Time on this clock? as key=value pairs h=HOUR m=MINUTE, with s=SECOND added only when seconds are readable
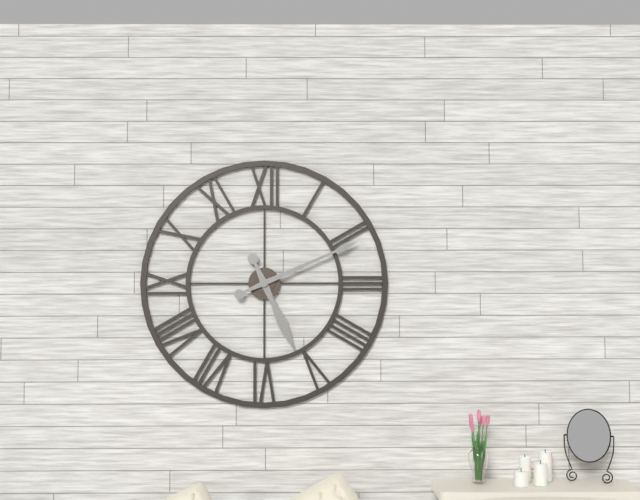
h=5 m=11
